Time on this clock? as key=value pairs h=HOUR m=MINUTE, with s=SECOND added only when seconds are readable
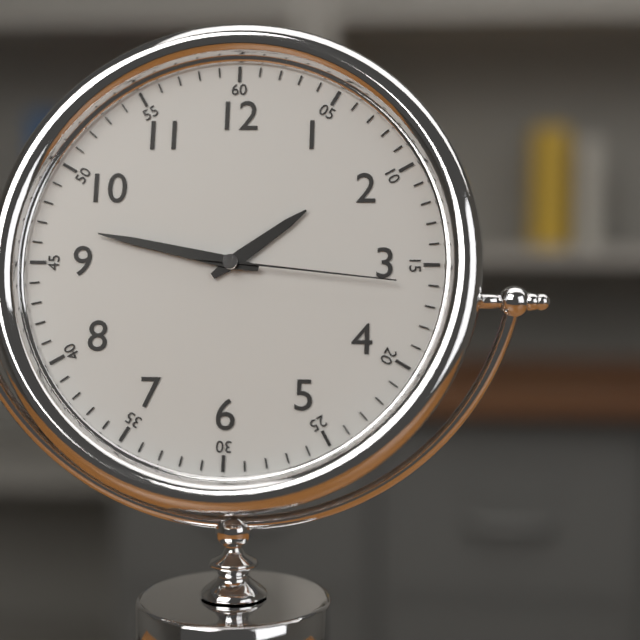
h=1 m=47 s=16
